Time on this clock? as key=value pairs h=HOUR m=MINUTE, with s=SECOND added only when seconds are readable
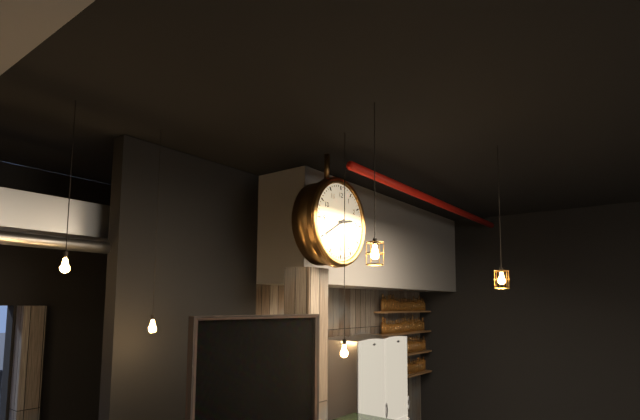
h=2 m=40
